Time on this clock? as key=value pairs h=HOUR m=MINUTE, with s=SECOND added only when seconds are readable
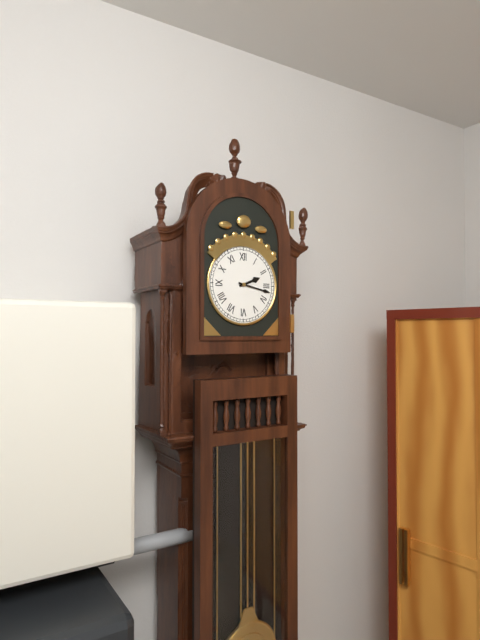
h=2 m=17
